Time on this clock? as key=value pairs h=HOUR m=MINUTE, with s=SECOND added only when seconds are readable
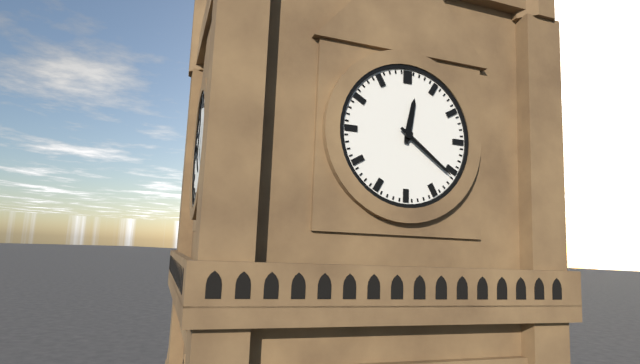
h=12 m=21
